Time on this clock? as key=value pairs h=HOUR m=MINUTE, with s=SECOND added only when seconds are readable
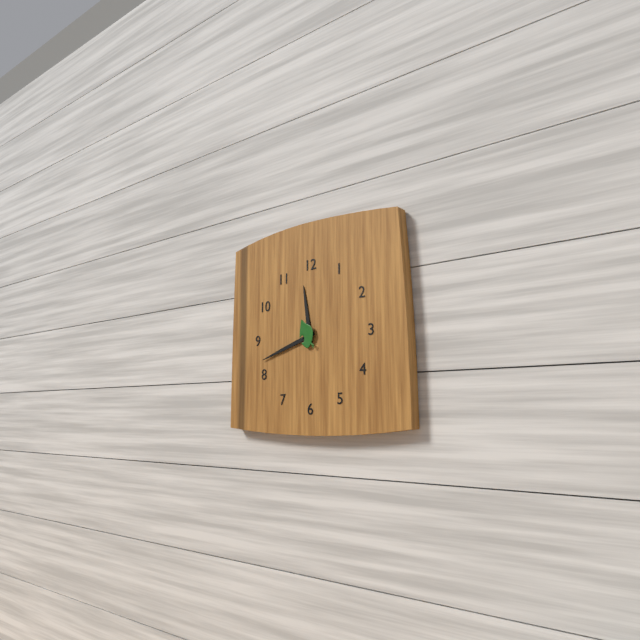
h=11 m=42
